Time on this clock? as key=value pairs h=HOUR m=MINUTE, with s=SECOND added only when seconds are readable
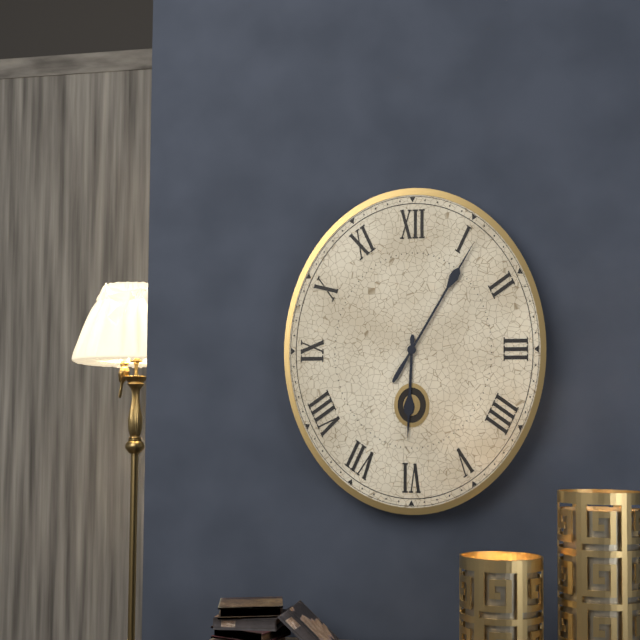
h=6 m=5
